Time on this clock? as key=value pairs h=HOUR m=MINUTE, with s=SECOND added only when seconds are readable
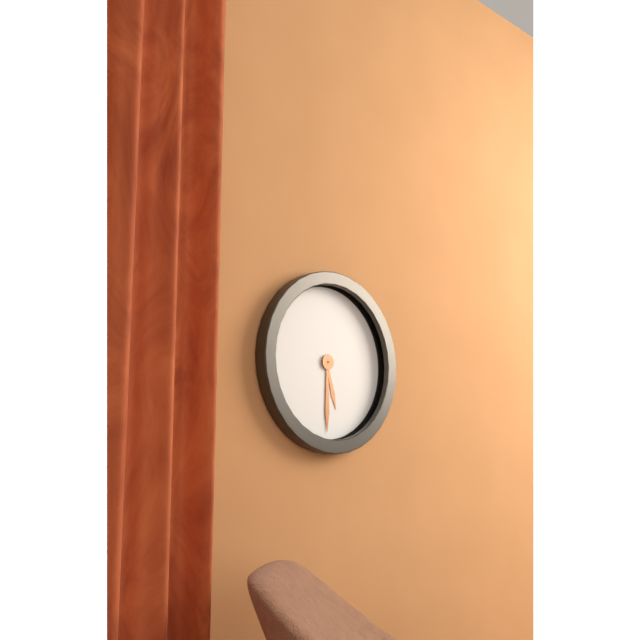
h=5 m=30
